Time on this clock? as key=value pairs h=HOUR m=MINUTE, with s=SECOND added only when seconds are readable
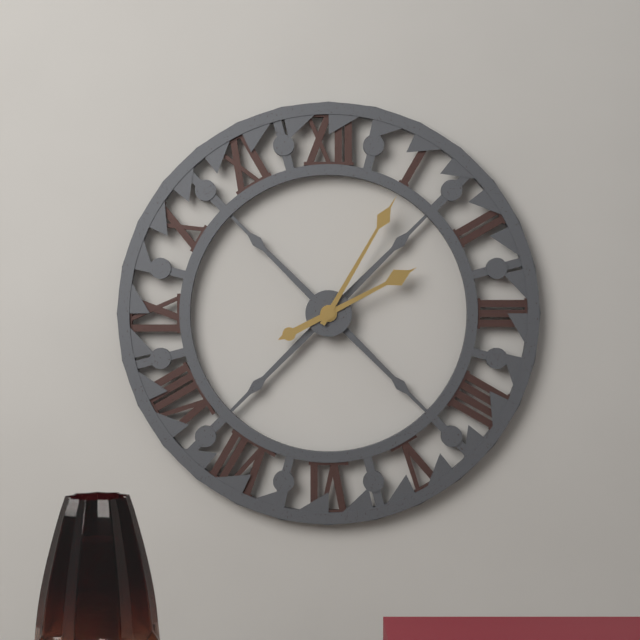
h=2 m=5
